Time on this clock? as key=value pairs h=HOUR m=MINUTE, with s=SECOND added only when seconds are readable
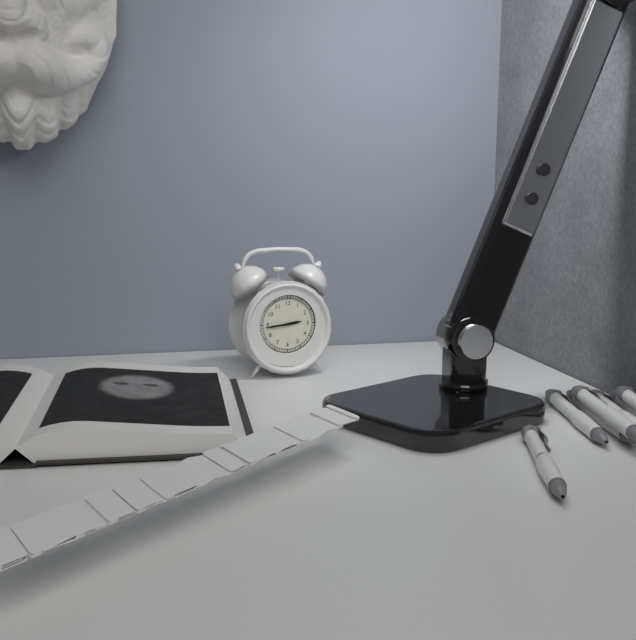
h=2 m=44
